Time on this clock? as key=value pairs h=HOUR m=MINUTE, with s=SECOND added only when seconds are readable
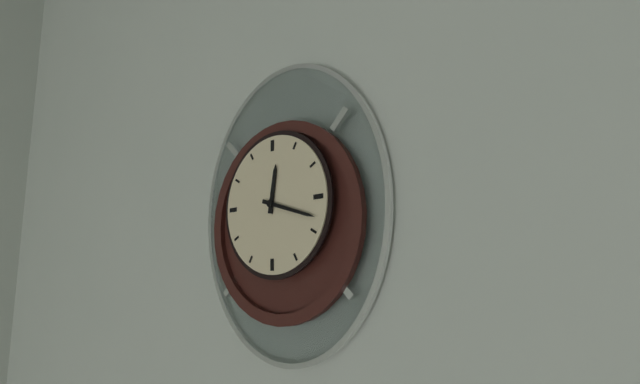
h=12 m=18
